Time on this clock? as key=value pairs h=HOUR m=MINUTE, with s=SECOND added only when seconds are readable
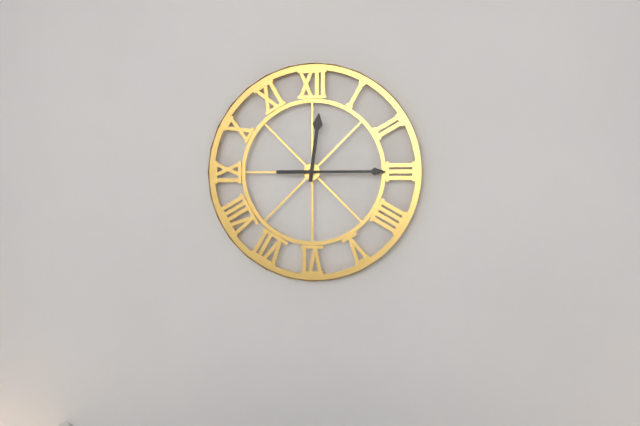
h=12 m=15
